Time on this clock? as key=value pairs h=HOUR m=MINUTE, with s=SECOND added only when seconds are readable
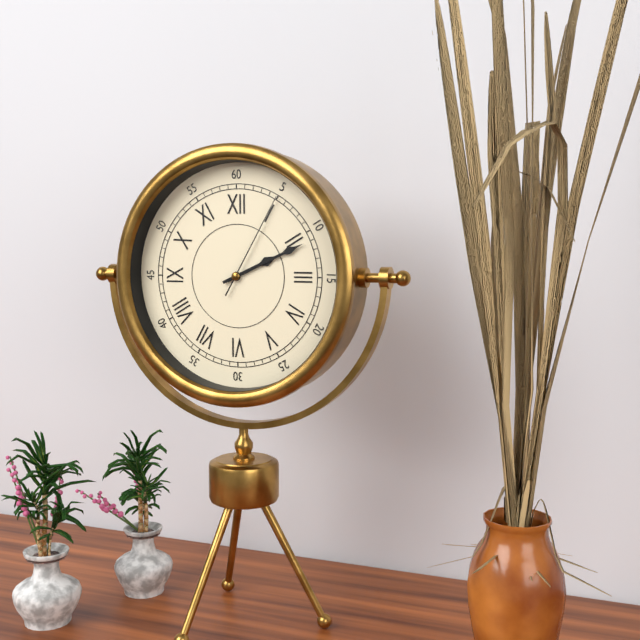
h=2 m=11 s=5
